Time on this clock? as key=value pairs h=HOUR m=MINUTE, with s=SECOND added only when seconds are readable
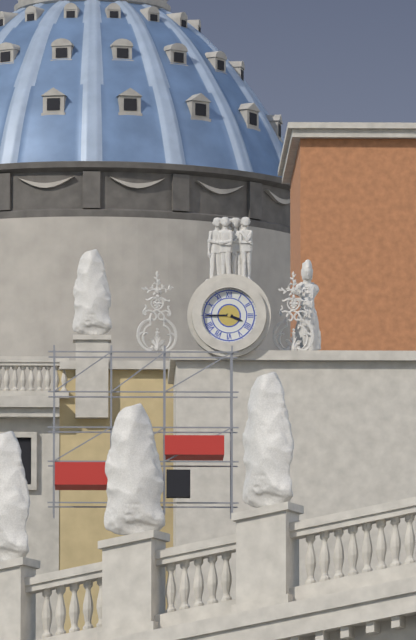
h=3 m=45
